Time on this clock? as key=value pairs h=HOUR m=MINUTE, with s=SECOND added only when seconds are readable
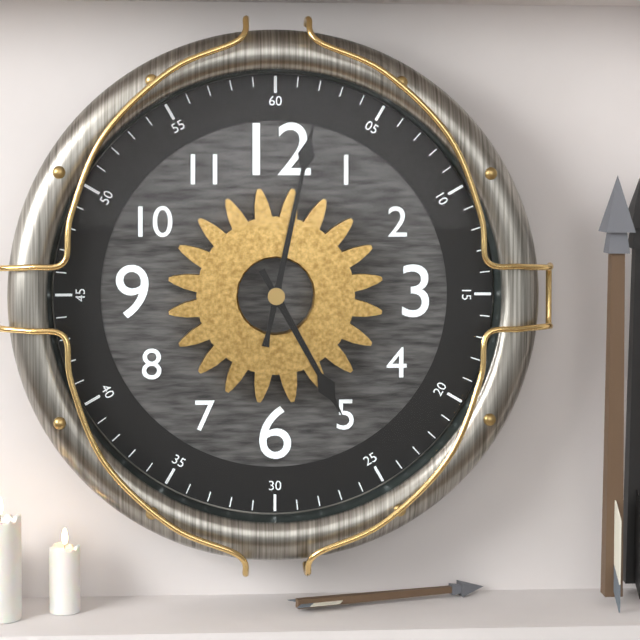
h=5 m=2
